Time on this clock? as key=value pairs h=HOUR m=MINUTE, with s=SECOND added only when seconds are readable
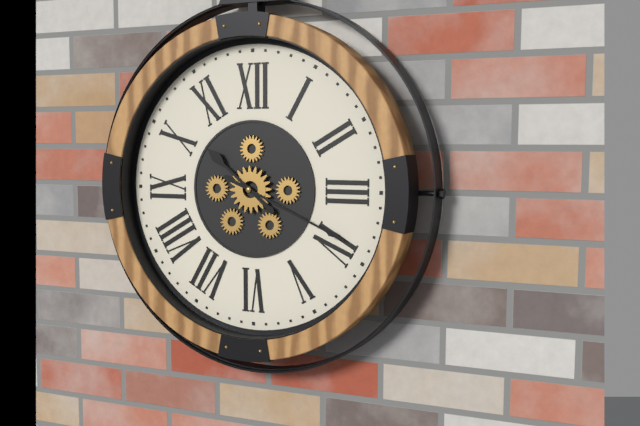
h=10 m=19
